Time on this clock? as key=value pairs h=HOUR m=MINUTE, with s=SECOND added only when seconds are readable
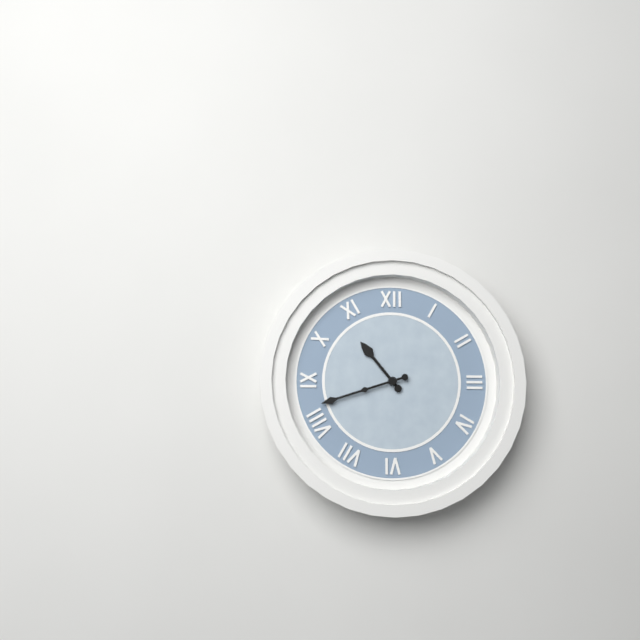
h=10 m=42
